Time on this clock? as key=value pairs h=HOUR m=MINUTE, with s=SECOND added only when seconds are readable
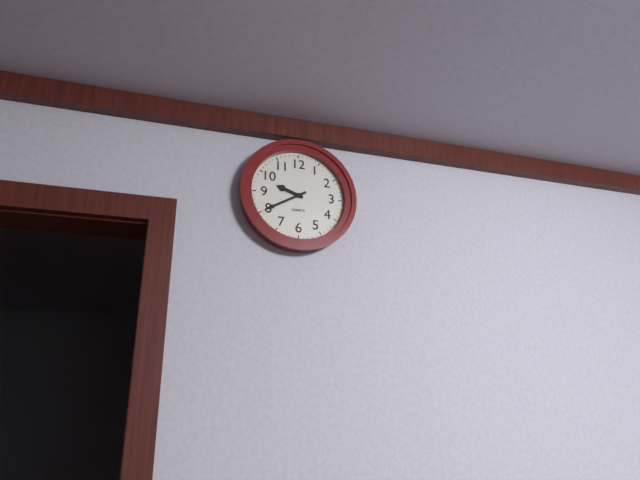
h=9 m=40
